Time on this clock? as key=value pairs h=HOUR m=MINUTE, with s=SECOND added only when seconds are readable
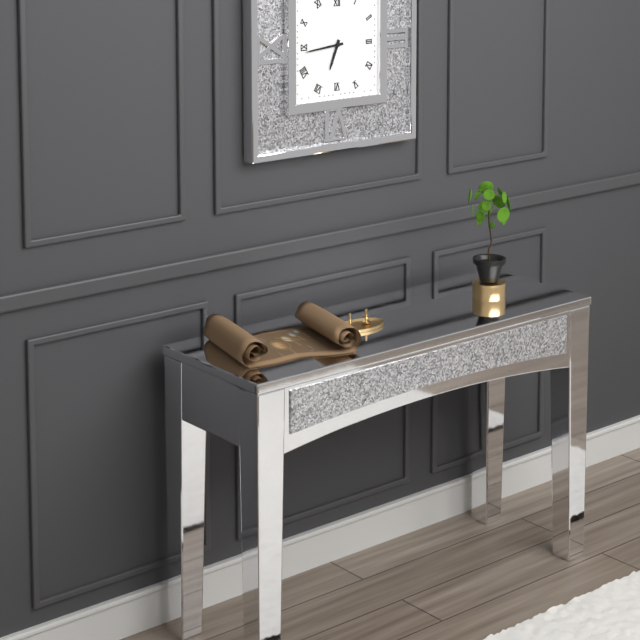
h=6 m=44
